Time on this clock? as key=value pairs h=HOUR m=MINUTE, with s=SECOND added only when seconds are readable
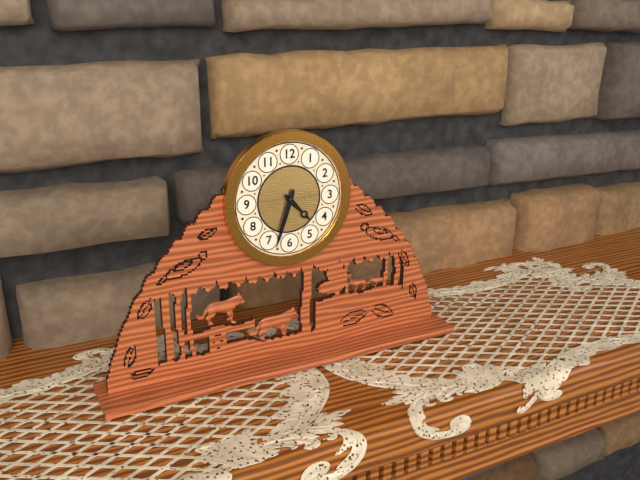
h=4 m=33
